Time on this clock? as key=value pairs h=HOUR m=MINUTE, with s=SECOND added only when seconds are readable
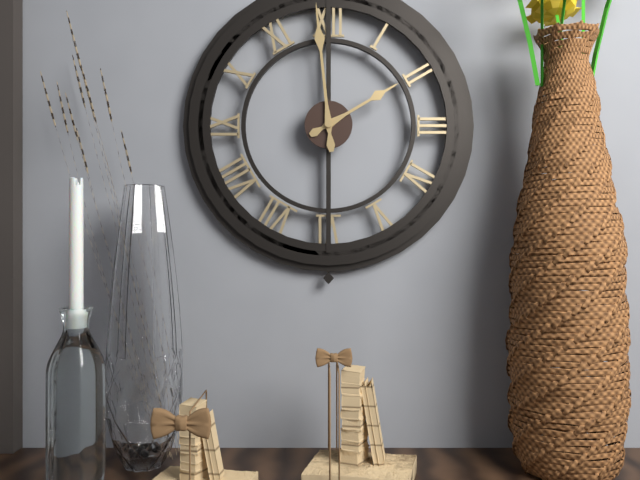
h=1 m=59
